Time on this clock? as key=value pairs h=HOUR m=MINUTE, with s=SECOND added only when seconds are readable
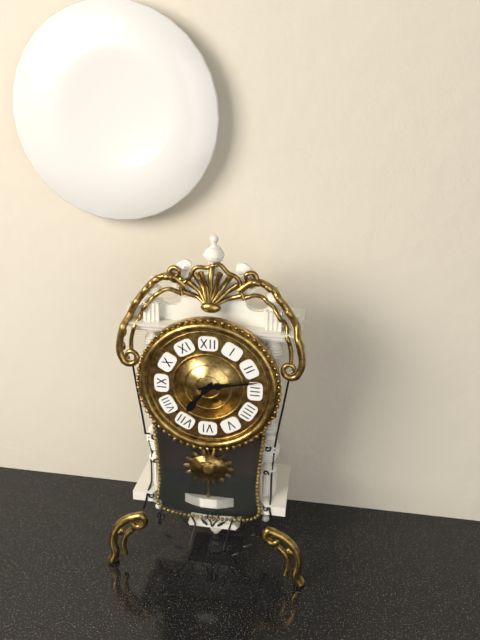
h=7 m=13
